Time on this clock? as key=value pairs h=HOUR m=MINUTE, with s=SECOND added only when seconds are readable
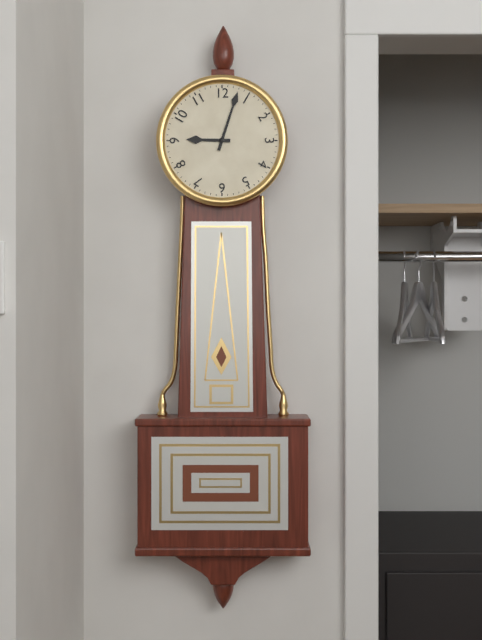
h=9 m=3
